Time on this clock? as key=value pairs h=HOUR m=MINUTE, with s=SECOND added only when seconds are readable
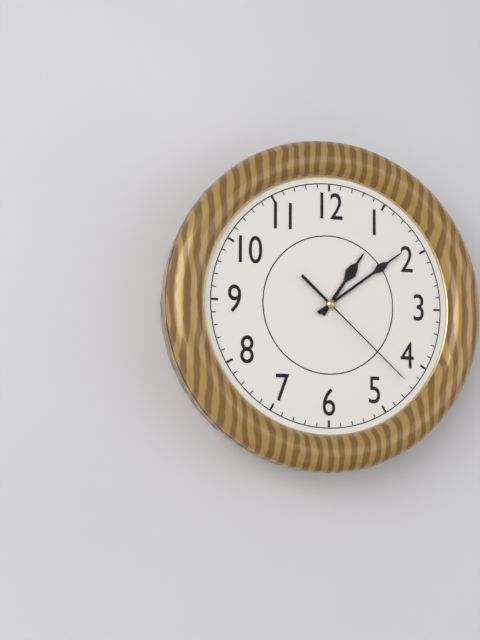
h=1 m=9 s=22
